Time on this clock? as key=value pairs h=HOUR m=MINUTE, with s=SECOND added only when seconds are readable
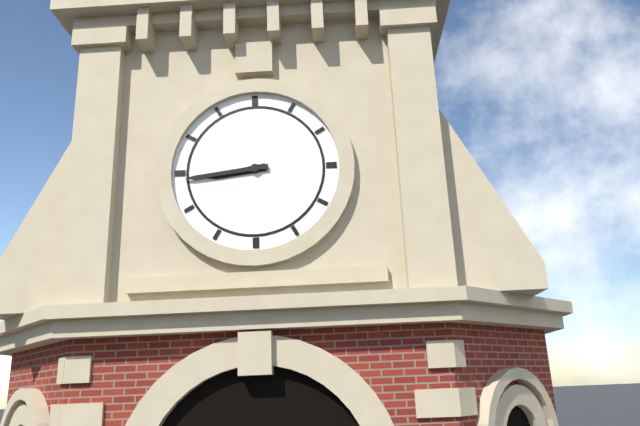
h=8 m=44
